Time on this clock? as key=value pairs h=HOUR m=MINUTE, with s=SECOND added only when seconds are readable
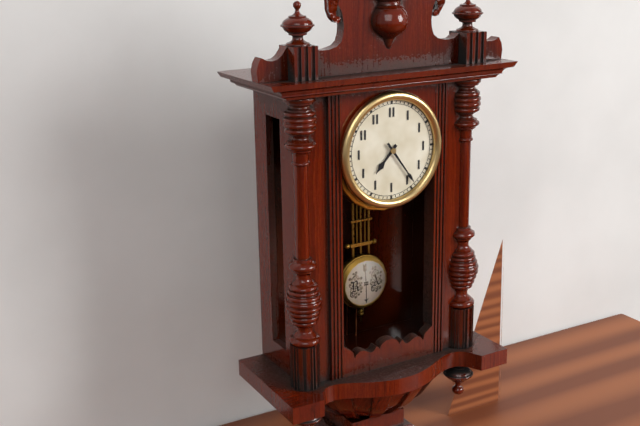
h=7 m=24
